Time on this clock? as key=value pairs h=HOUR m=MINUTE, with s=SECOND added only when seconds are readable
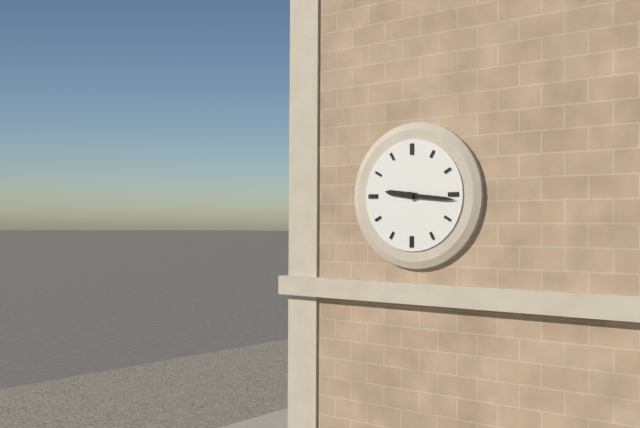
h=9 m=16
